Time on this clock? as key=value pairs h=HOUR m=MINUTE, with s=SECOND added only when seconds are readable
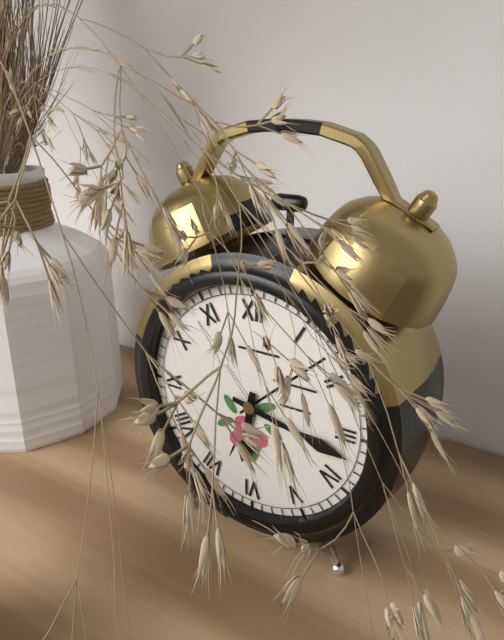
h=6 m=17
